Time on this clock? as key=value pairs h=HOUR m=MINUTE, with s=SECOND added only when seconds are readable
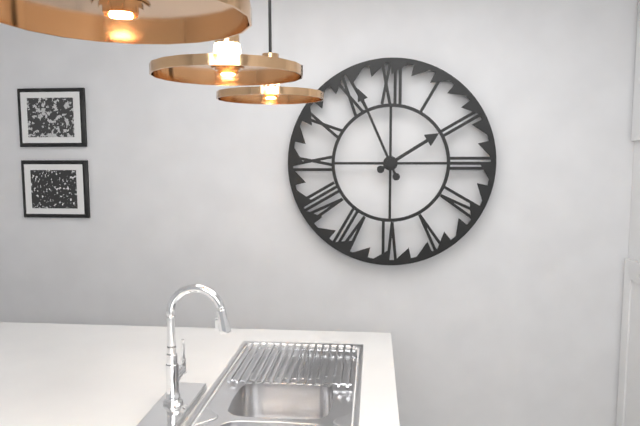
h=1 m=56
